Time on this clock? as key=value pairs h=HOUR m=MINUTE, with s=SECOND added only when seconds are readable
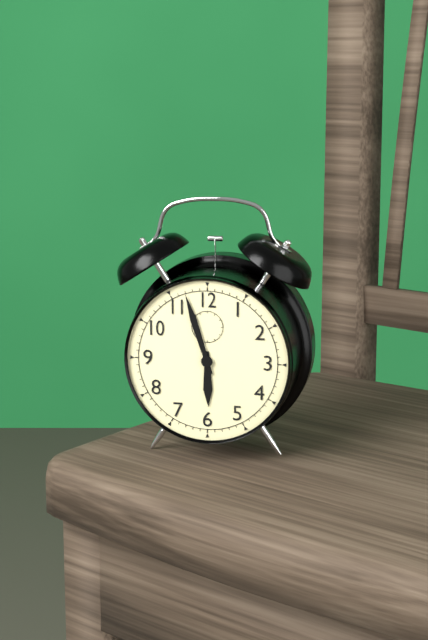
h=5 m=57
